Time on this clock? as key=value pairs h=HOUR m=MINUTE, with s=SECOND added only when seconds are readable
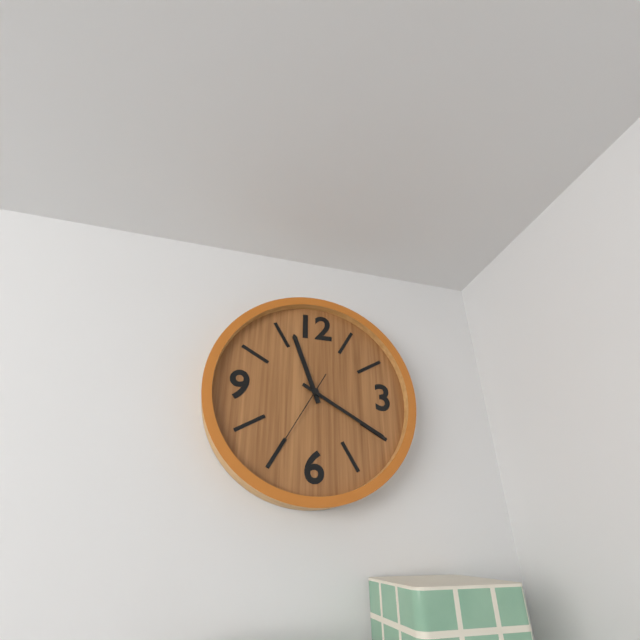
h=11 m=20 s=35
